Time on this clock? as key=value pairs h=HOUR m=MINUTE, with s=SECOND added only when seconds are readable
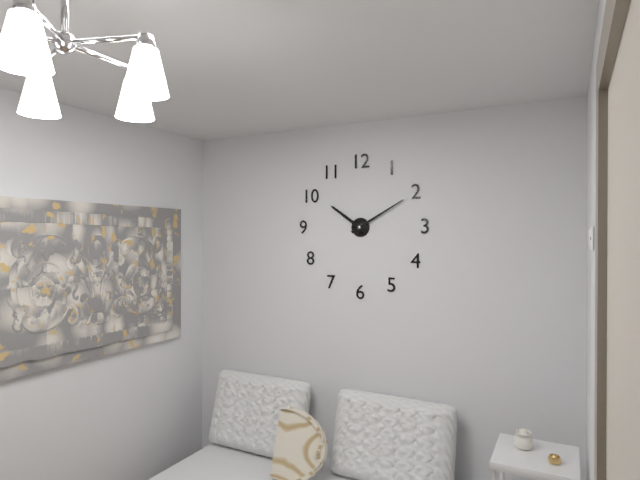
h=10 m=10
